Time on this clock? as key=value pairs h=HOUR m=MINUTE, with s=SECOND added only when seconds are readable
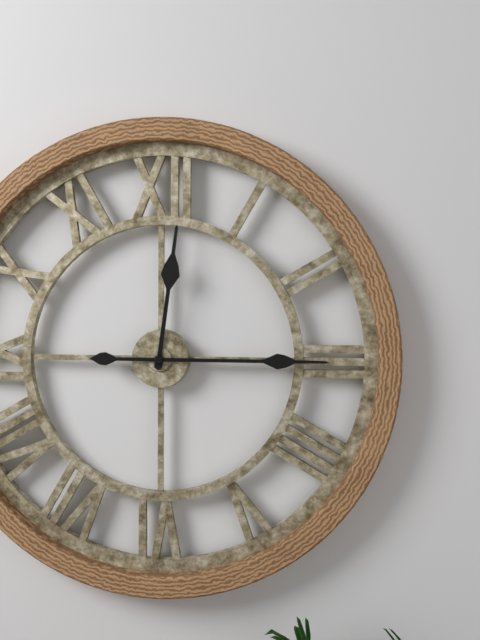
h=12 m=15
